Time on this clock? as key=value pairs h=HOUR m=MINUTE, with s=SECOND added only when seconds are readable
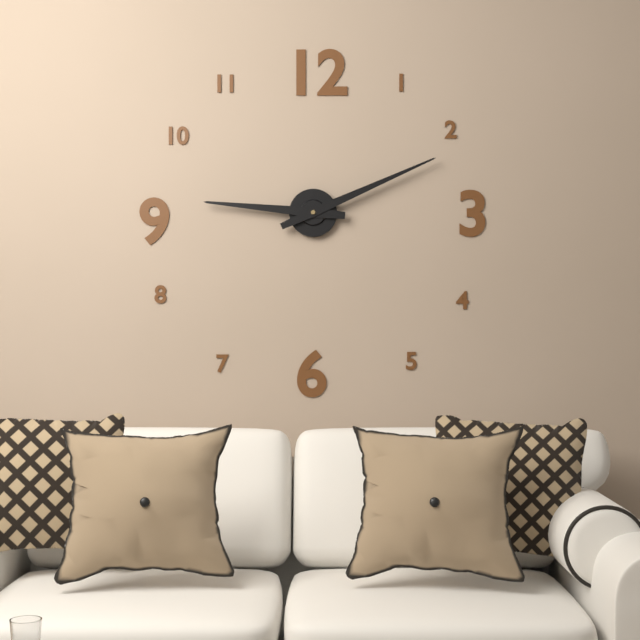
h=9 m=11
